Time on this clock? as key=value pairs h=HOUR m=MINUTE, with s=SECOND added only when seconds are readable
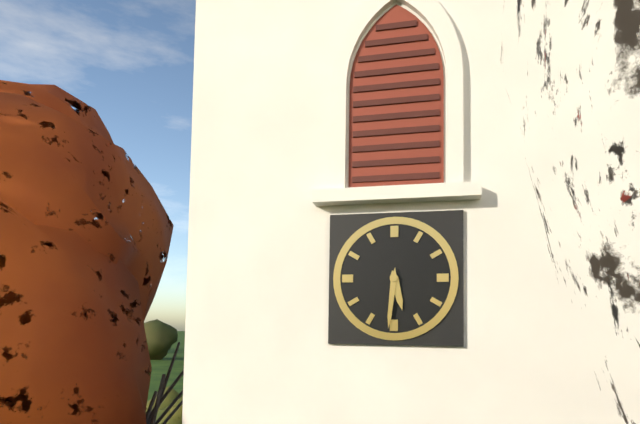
h=5 m=31
